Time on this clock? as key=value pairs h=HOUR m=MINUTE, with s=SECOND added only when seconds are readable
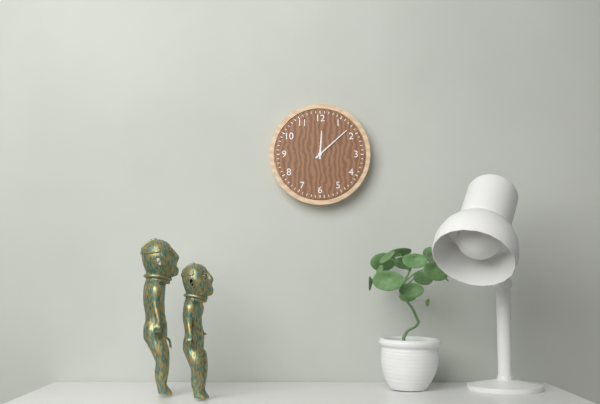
h=12 m=8
